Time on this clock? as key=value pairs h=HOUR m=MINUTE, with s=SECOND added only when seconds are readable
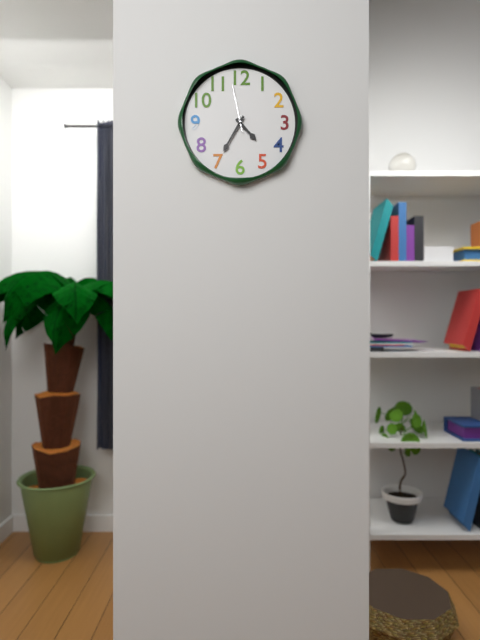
h=4 m=35
